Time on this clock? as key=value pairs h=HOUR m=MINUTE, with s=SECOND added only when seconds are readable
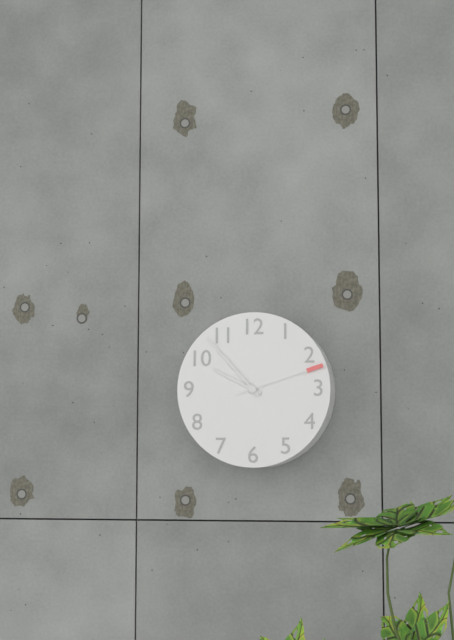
h=9 m=53 s=12
